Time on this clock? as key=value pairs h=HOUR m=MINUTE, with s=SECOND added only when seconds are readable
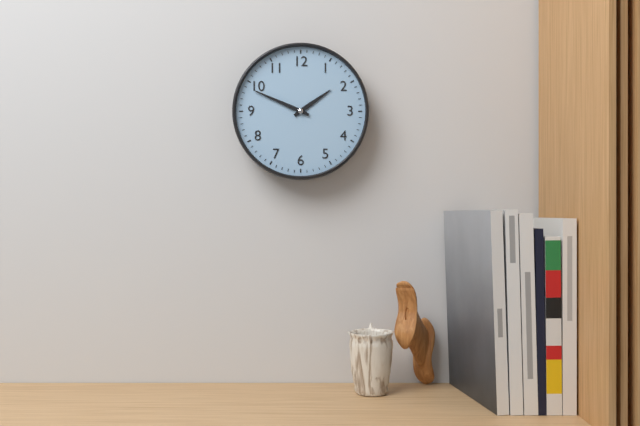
h=1 m=49
